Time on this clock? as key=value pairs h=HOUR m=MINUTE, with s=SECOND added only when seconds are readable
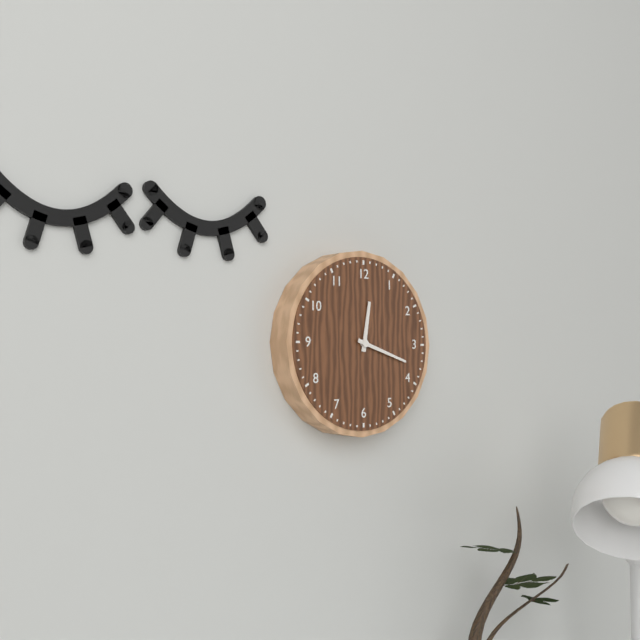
h=12 m=18
